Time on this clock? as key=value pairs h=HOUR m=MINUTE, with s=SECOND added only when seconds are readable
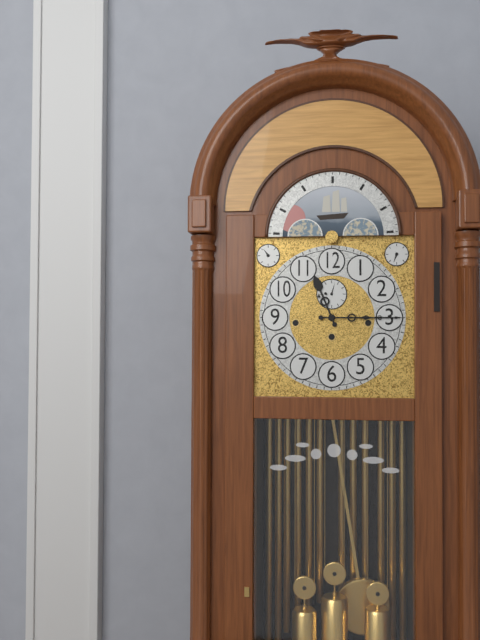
h=11 m=15
